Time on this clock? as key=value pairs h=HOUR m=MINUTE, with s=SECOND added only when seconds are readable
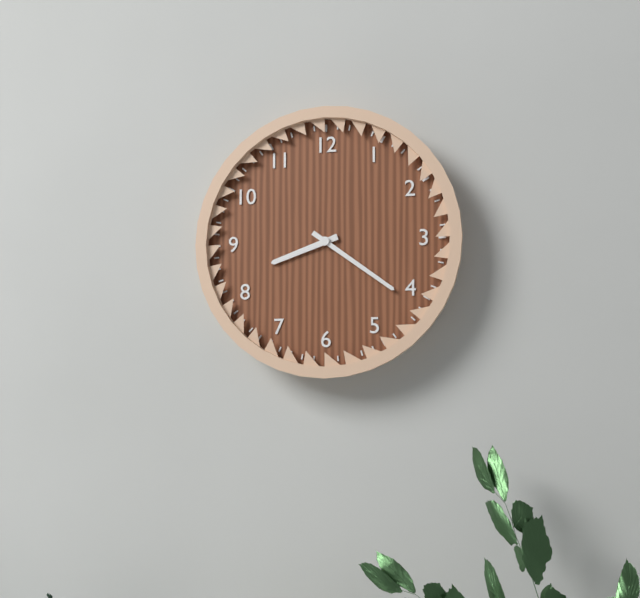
h=8 m=21
